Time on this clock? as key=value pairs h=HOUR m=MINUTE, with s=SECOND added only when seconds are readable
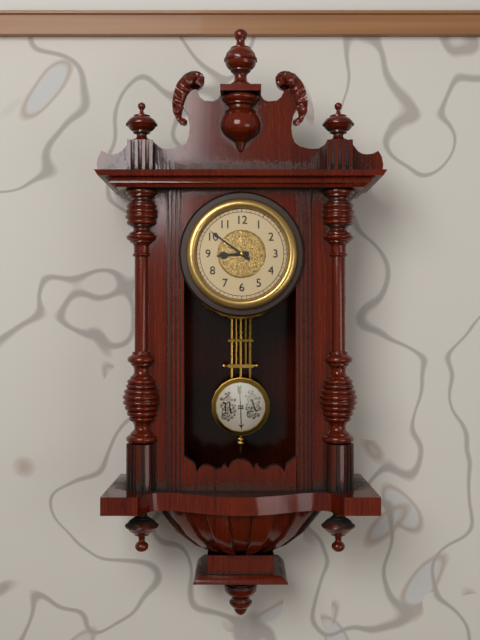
h=8 m=51
